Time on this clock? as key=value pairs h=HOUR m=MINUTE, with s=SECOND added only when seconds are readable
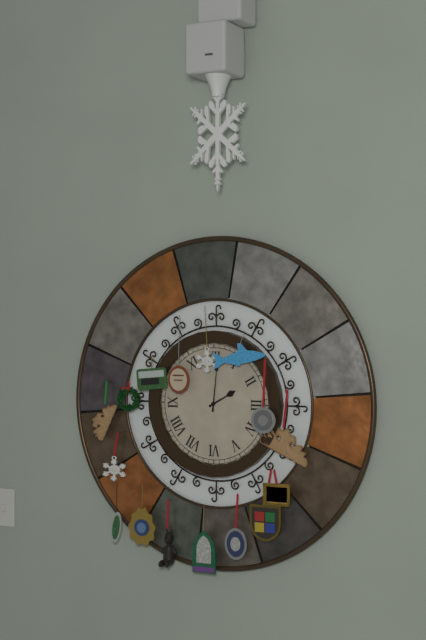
h=2 m=1
